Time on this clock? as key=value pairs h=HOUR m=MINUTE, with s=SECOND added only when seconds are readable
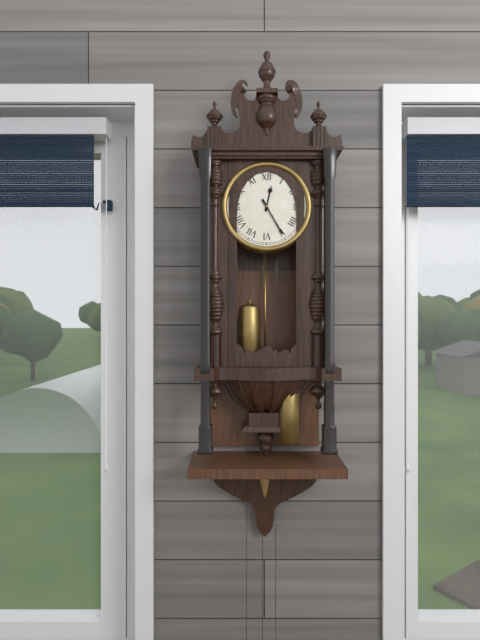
h=12 m=25
